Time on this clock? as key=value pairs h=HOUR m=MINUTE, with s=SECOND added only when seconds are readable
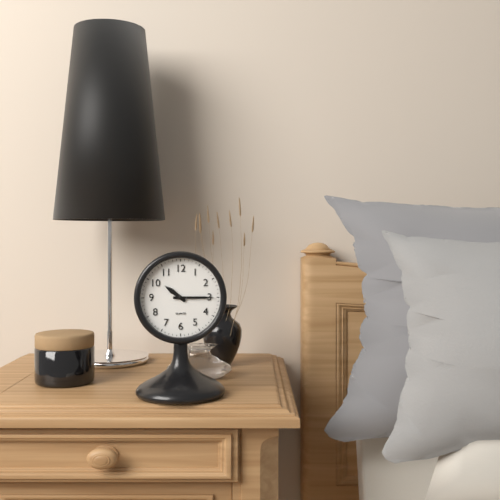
h=10 m=15
